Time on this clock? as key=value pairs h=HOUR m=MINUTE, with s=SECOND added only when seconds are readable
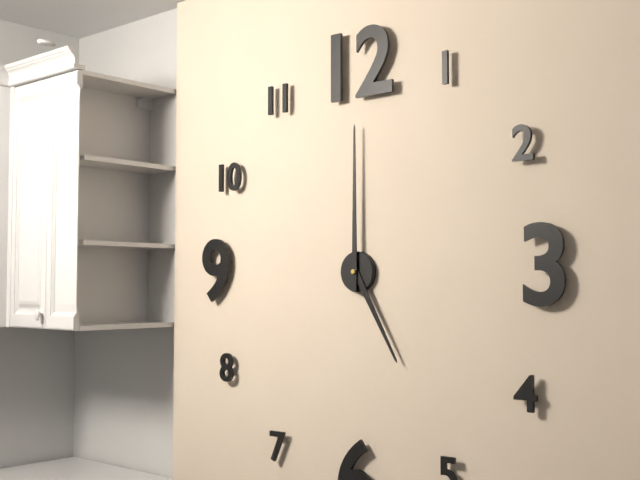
h=5 m=0
